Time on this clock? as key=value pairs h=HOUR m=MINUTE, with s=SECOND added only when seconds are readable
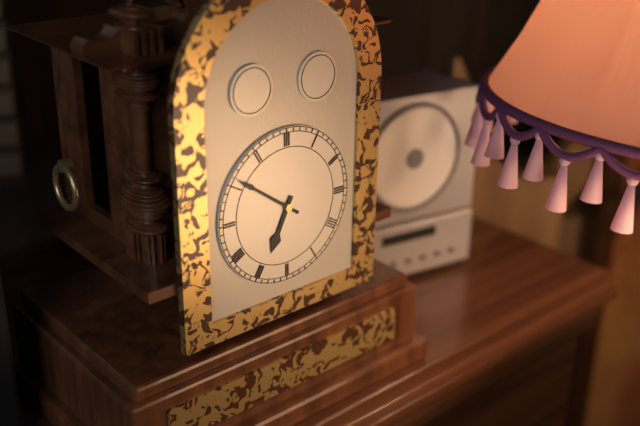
h=6 m=51
